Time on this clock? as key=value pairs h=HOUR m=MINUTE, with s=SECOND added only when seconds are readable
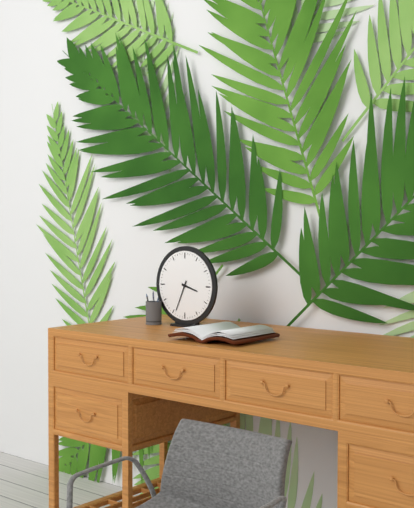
h=3 m=34
